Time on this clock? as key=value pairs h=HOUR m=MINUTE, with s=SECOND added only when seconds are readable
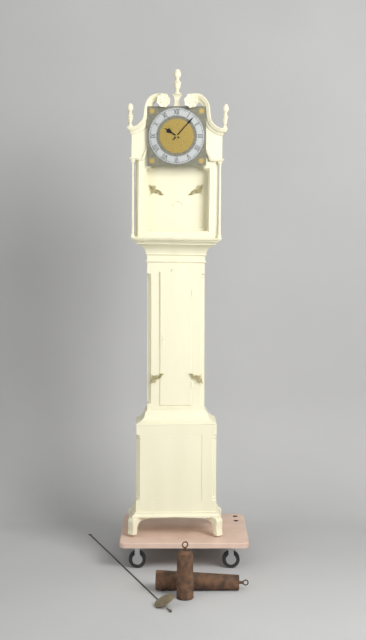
h=10 m=7
